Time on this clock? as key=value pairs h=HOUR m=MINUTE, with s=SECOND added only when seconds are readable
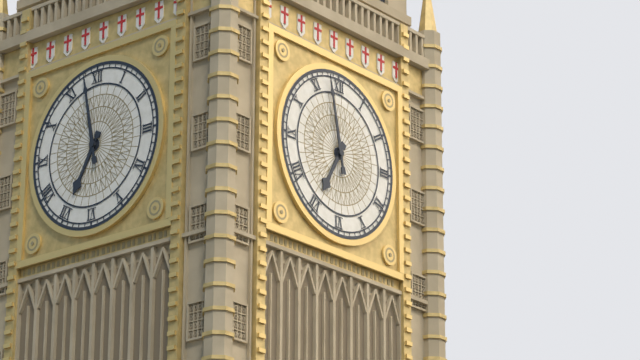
h=6 m=58
